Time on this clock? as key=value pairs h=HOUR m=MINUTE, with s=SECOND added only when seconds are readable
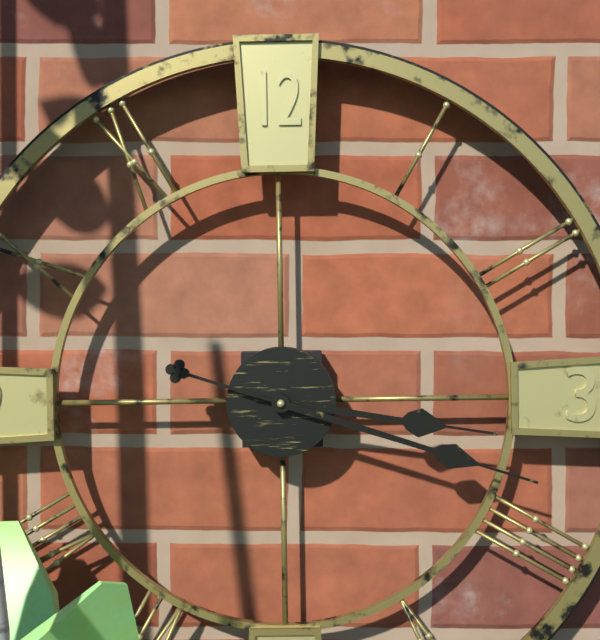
h=3 m=18
